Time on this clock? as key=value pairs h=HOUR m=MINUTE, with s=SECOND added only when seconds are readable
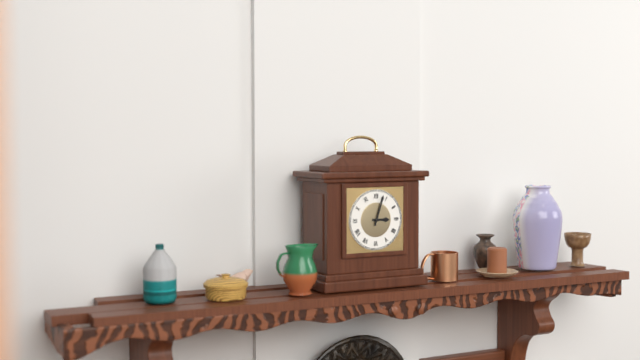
h=3 m=3
